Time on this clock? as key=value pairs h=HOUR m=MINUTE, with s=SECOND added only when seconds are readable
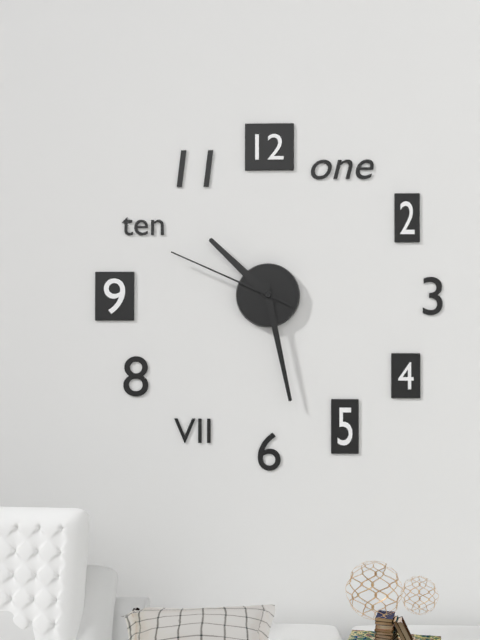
h=10 m=28 s=49
